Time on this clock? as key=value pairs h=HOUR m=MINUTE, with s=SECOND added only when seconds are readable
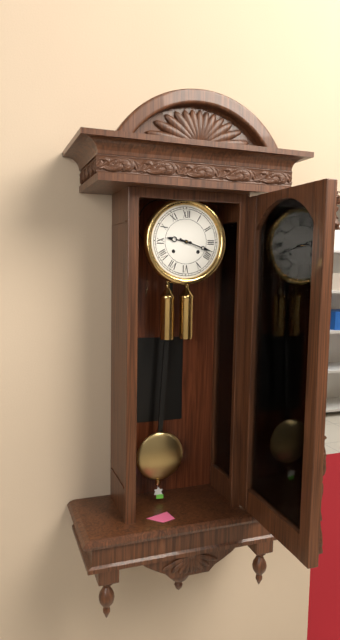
h=9 m=18
